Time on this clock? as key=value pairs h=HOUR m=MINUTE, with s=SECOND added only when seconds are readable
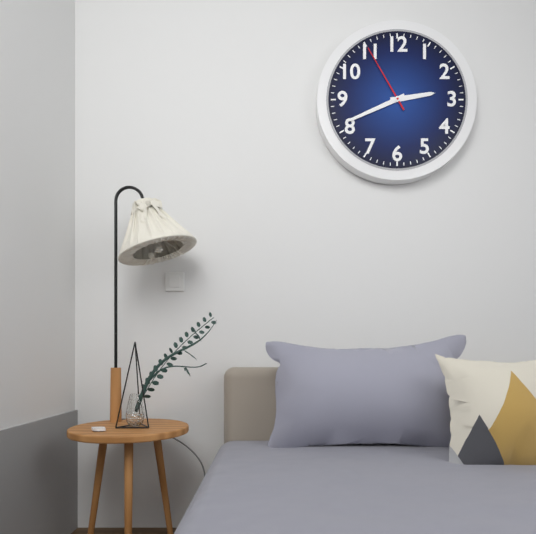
h=2 m=41 s=55
